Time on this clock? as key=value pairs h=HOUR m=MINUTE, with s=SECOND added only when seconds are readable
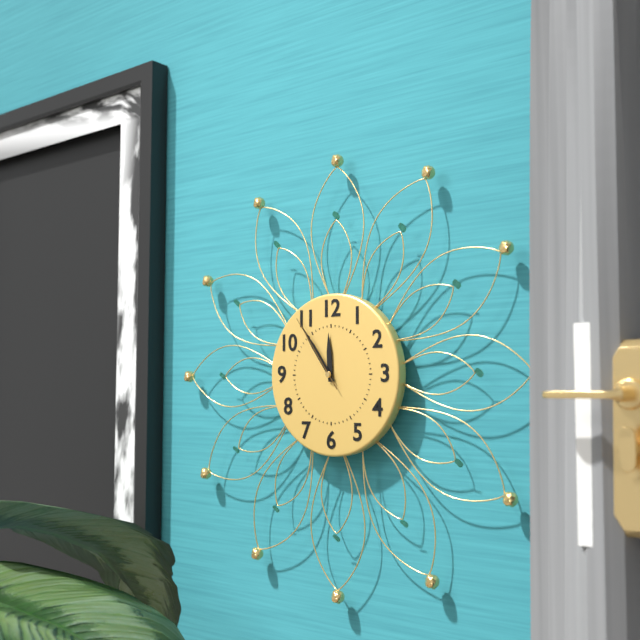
h=11 m=54 s=54
